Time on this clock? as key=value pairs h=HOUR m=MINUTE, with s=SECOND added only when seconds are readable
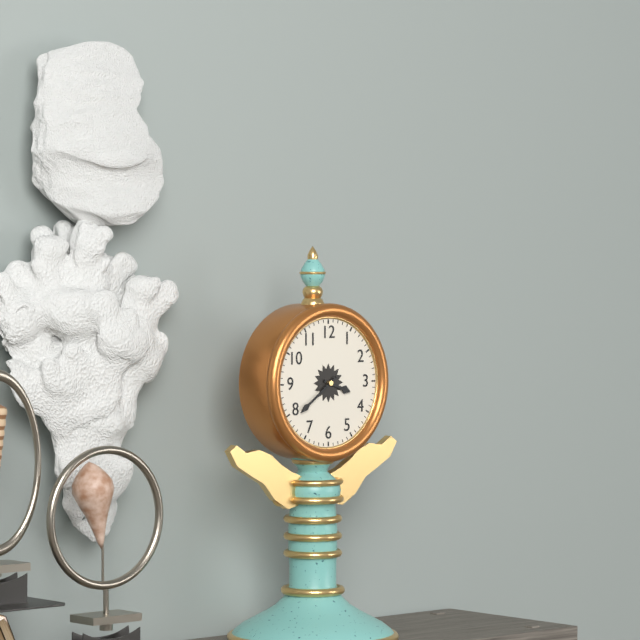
h=3 m=39
